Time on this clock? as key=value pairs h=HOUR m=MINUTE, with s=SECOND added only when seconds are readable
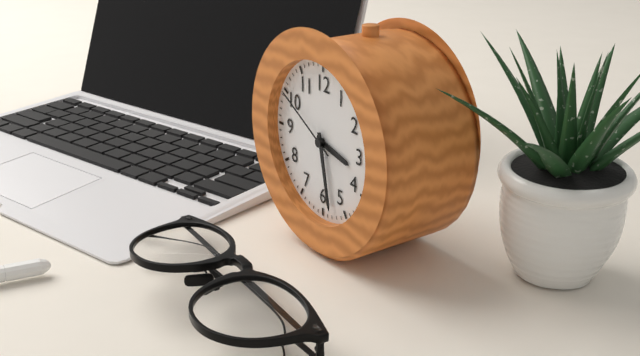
h=3 m=28 s=50
